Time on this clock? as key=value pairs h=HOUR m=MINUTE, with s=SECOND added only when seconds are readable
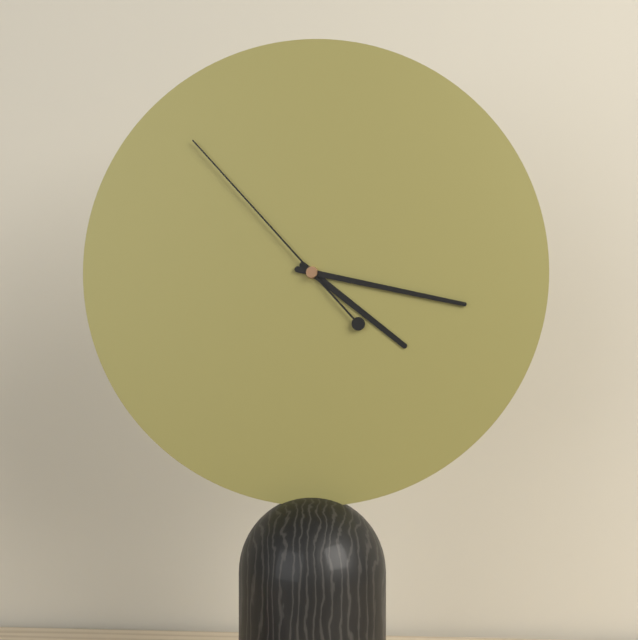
h=4 m=17 s=53
